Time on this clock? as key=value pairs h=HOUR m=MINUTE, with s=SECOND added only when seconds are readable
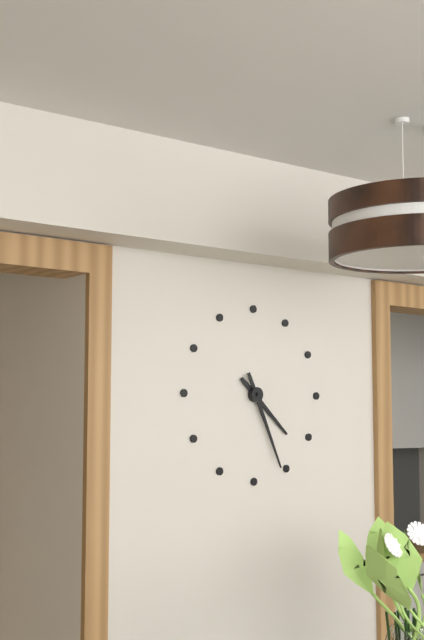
h=4 m=26
